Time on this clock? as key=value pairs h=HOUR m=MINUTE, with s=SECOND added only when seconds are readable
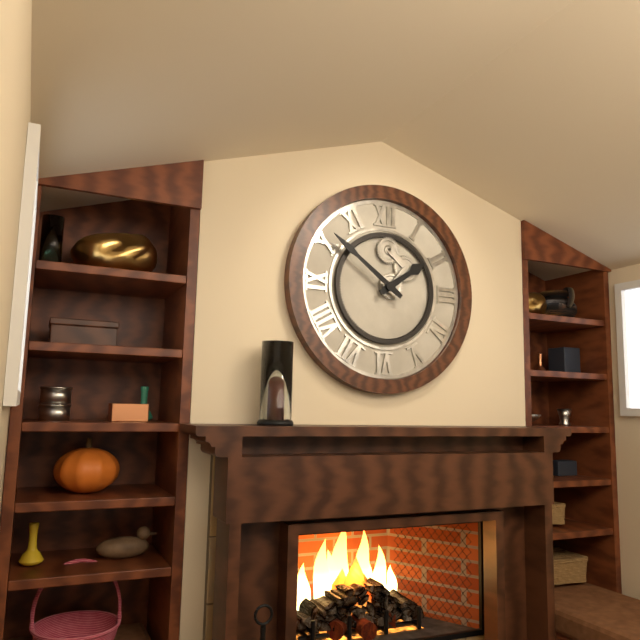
h=1 m=51
